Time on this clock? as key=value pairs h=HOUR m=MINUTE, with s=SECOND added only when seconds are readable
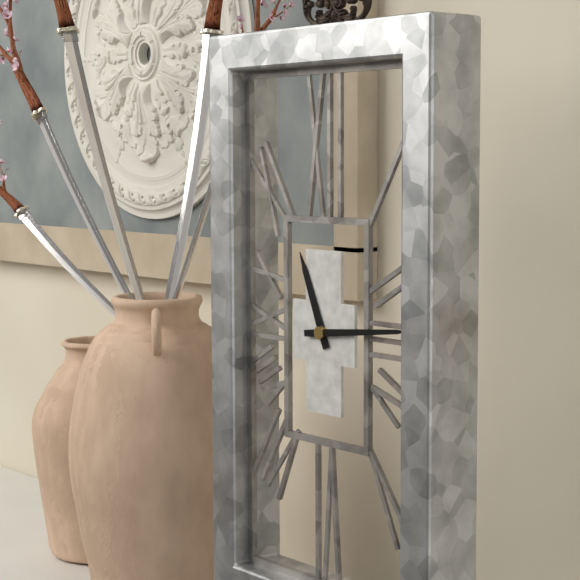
h=11 m=14
